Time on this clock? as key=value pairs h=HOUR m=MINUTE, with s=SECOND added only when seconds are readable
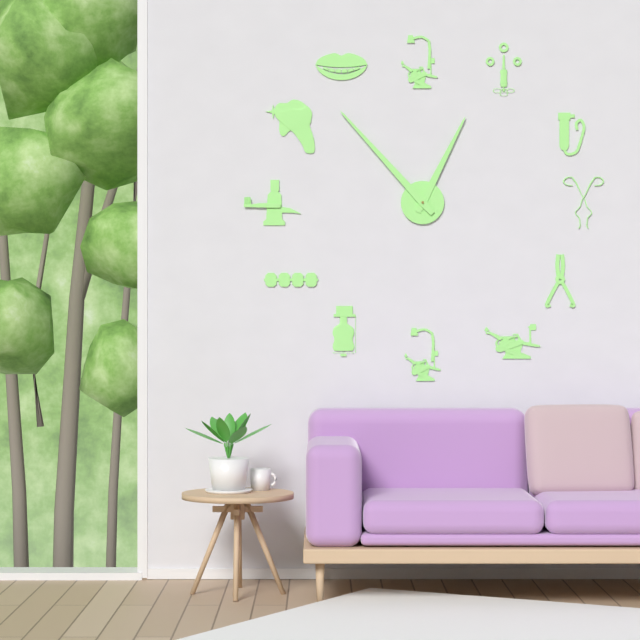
h=12 m=53
